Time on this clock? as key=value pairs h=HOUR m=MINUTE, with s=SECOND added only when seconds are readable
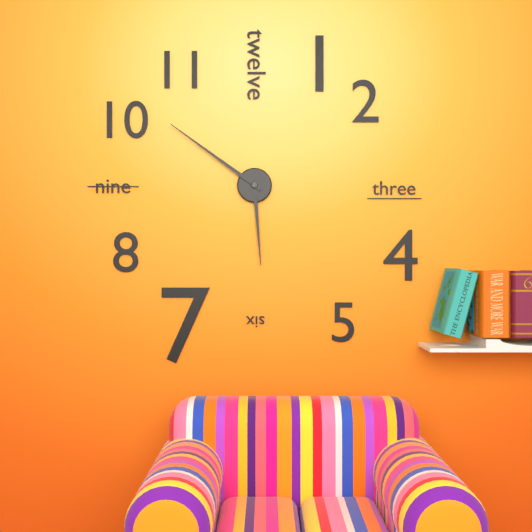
h=5 m=51
